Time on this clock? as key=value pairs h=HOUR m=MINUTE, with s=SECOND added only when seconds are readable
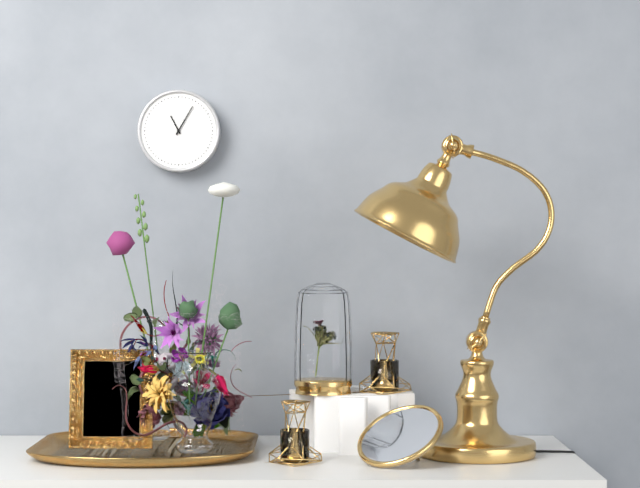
h=11 m=5
